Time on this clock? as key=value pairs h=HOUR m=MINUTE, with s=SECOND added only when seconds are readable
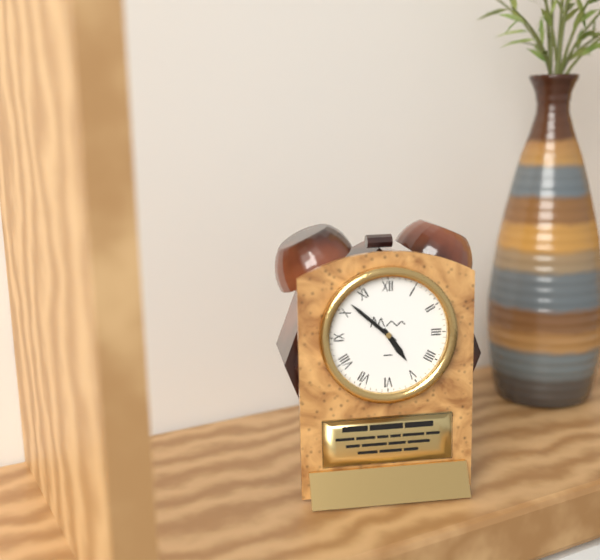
h=4 m=52
